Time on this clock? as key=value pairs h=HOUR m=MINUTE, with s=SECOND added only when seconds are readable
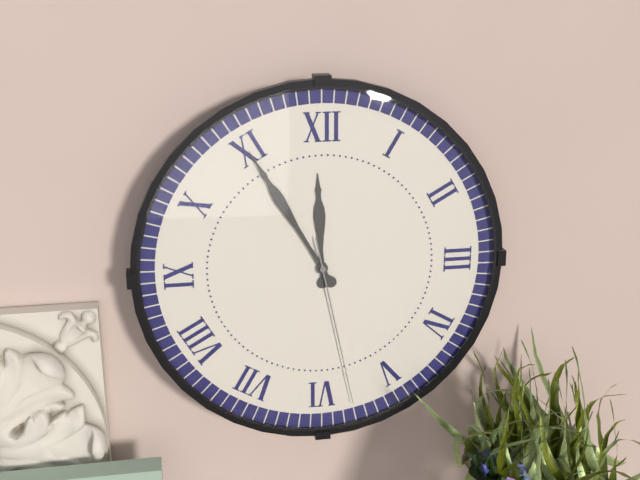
h=11 m=55 s=28
